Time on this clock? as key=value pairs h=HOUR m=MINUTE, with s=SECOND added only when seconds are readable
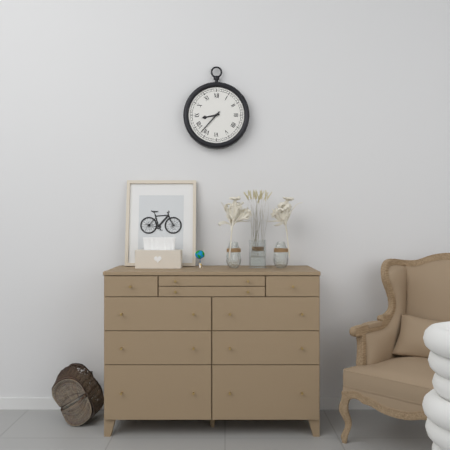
h=8 m=37
